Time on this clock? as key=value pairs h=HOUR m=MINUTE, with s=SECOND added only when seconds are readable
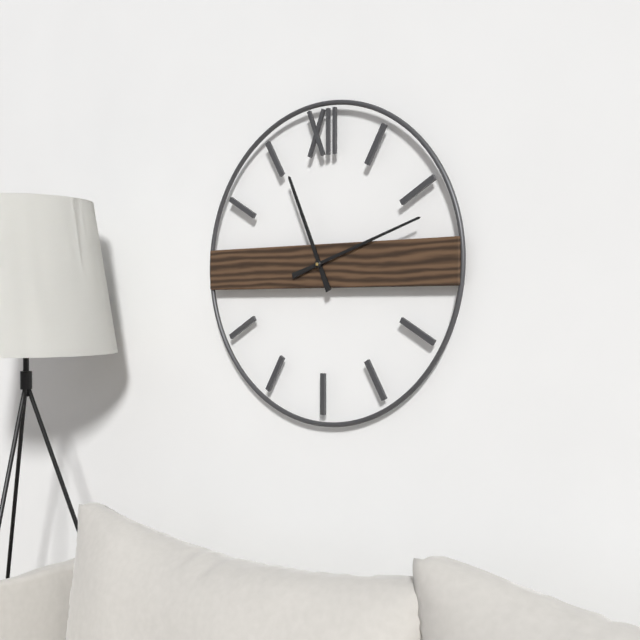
h=11 m=12
